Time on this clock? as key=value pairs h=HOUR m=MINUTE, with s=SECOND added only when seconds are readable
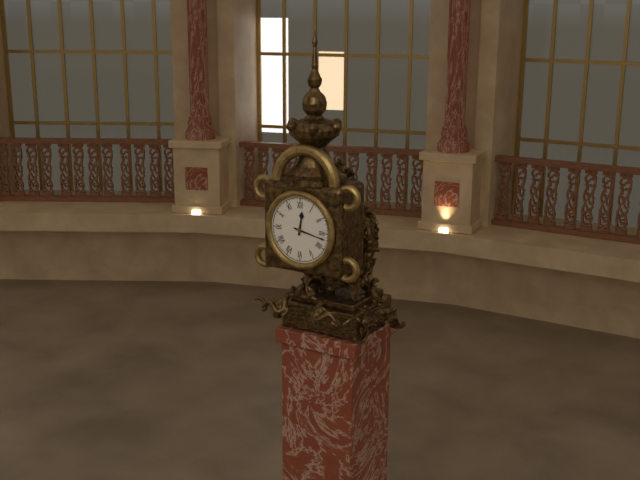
h=12 m=17
